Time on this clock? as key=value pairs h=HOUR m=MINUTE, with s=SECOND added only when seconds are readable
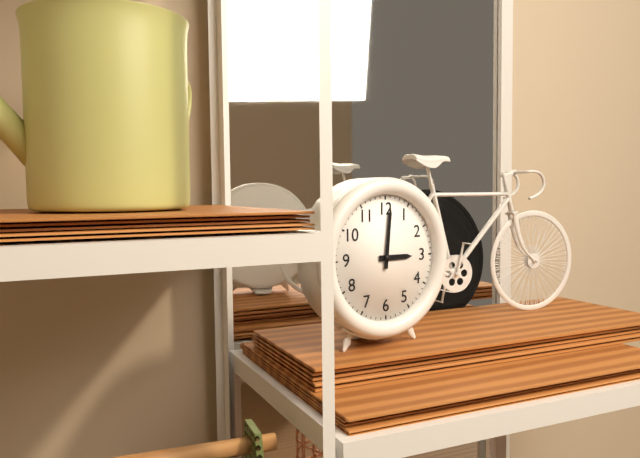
h=3 m=1
